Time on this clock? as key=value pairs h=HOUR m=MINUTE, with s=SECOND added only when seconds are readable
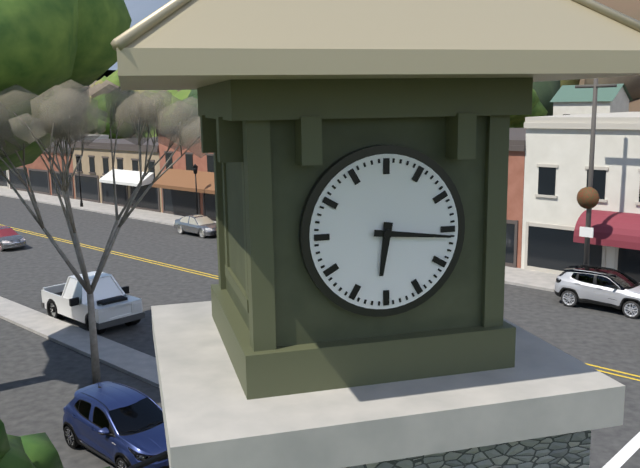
h=6 m=16
